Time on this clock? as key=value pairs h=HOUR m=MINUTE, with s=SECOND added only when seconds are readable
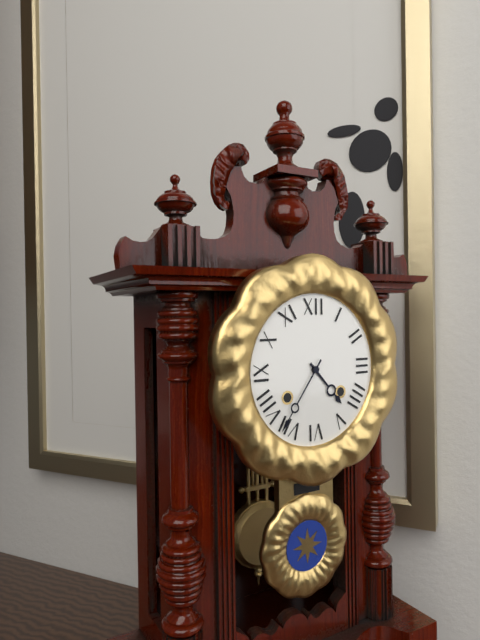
h=4 m=36
